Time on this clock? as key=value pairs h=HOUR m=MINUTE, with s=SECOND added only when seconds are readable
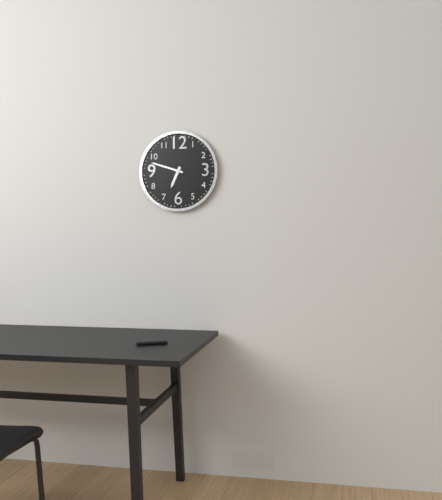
h=6 m=48
